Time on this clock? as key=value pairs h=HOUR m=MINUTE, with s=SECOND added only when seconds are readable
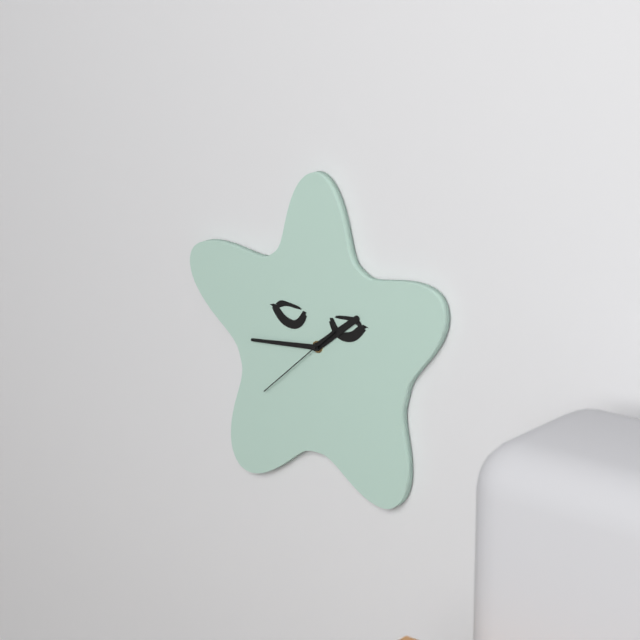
h=1 m=44 s=38
